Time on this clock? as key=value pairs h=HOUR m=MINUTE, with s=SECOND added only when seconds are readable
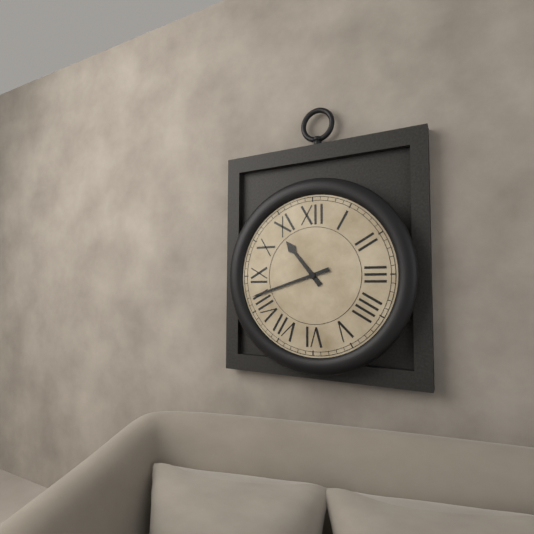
h=10 m=42
